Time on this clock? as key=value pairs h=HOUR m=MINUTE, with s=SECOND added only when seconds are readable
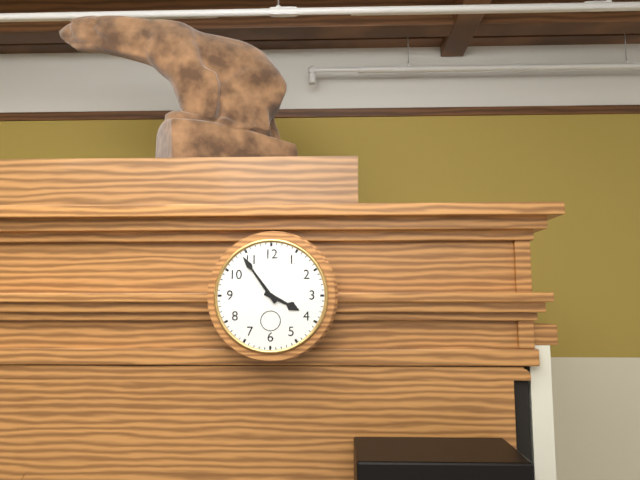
h=3 m=54
